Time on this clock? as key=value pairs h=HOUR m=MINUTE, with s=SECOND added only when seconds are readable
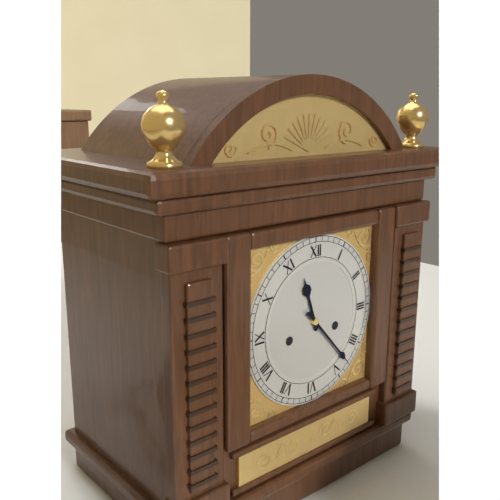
h=11 m=23
